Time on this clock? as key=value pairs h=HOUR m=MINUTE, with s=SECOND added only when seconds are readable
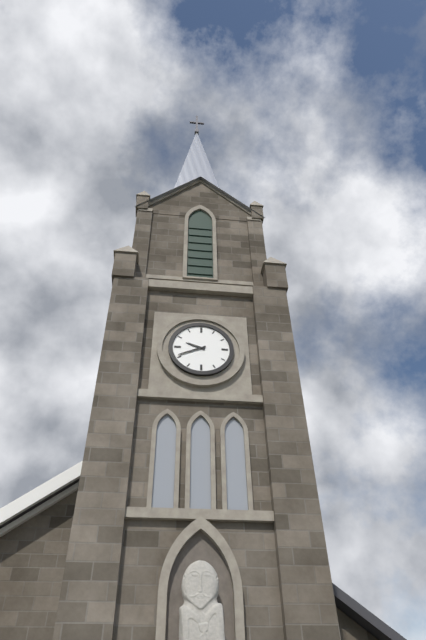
h=9 m=41
